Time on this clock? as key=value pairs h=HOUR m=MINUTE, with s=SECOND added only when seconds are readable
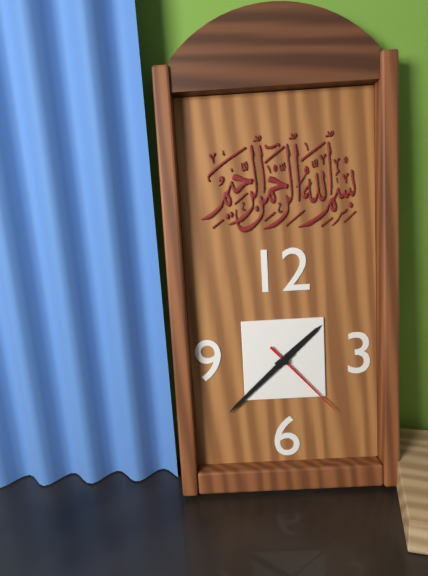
h=1 m=38 s=23
